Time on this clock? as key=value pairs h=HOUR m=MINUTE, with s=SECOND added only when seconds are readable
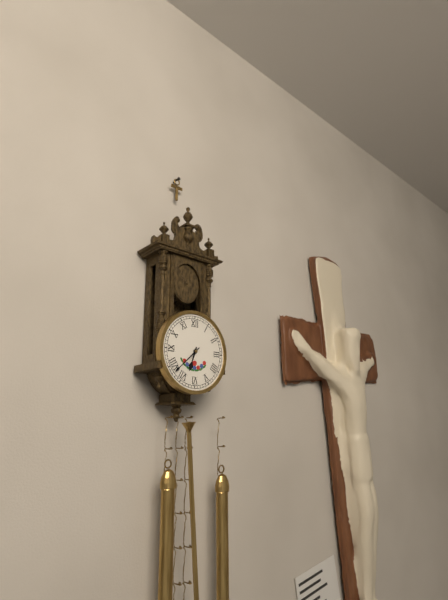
h=6 m=38
